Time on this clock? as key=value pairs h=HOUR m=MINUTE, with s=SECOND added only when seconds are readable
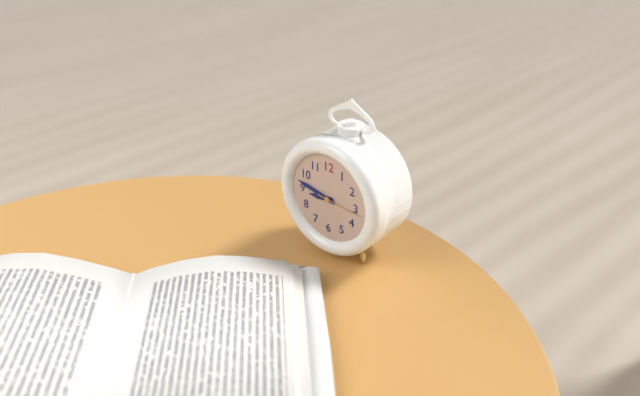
h=8 m=47
